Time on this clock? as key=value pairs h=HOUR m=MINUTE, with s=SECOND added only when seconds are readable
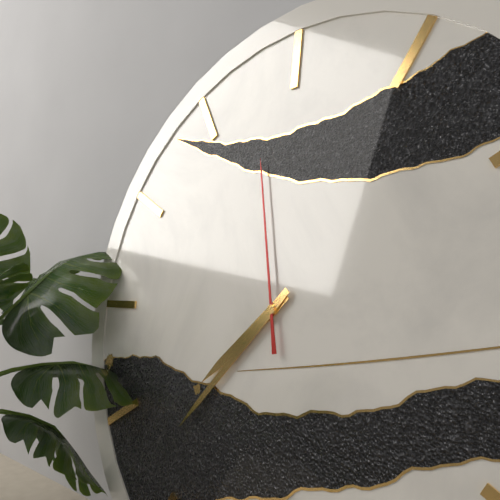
h=7 m=37 s=58
